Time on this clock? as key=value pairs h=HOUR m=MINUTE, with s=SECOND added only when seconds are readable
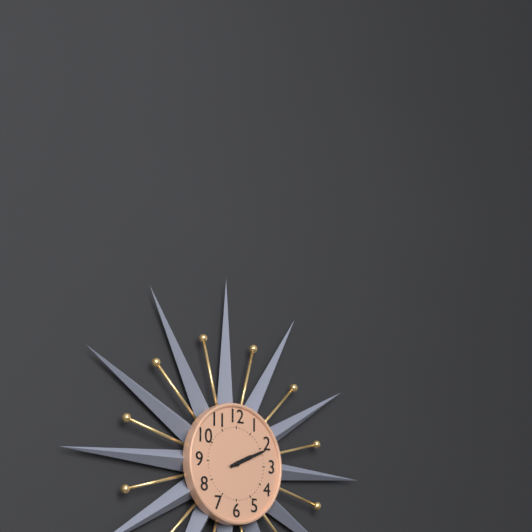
h=2 m=11
